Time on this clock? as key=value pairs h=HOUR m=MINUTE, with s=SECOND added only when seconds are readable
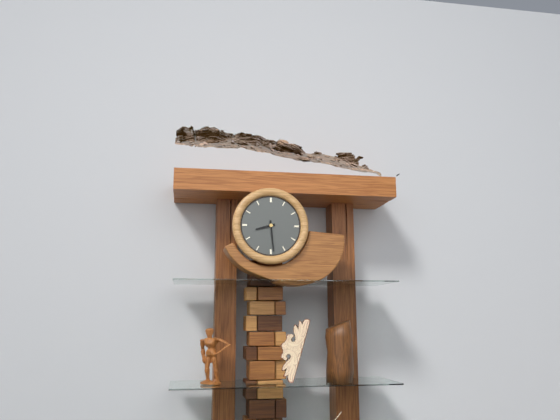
h=8 m=29
